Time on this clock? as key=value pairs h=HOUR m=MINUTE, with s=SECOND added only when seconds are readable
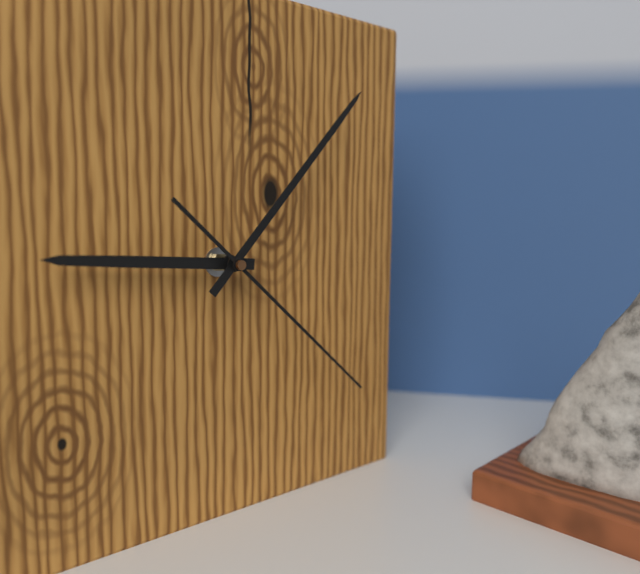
h=9 m=7 s=22
